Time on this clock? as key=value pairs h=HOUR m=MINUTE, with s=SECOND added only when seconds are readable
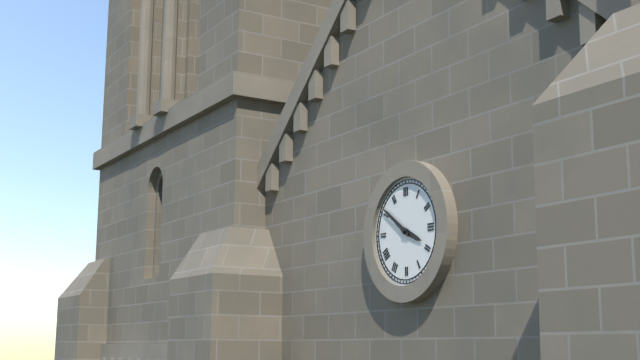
h=3 m=51
